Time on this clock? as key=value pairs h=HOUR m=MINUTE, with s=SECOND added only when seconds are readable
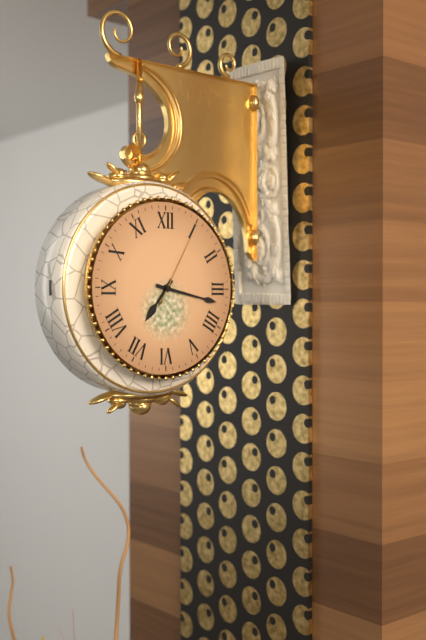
h=7 m=17 s=5
